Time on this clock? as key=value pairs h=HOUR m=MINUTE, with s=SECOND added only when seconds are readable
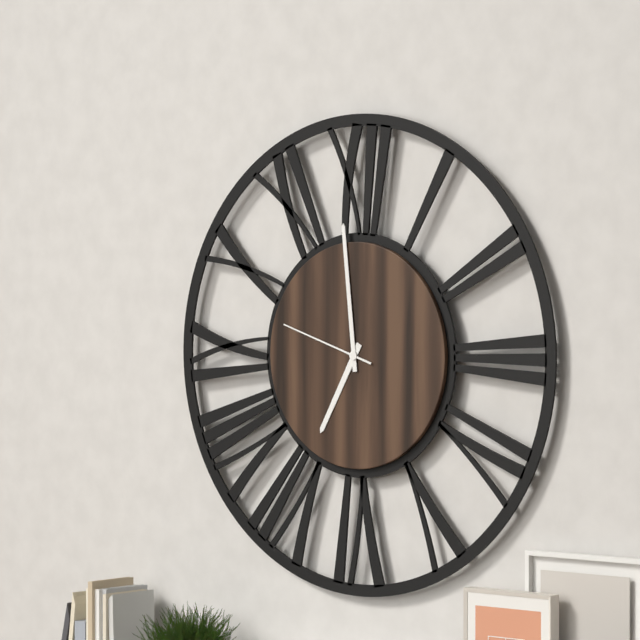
h=6 m=59 s=48
